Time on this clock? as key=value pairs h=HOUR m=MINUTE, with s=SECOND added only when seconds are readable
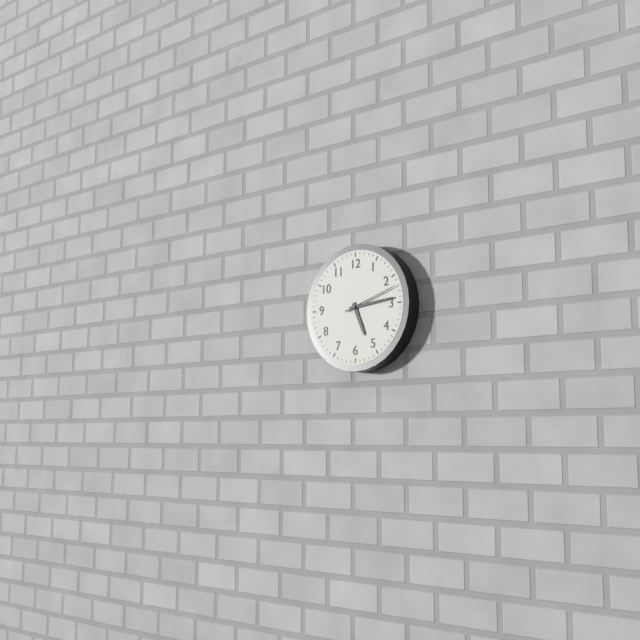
h=5 m=14 s=12
